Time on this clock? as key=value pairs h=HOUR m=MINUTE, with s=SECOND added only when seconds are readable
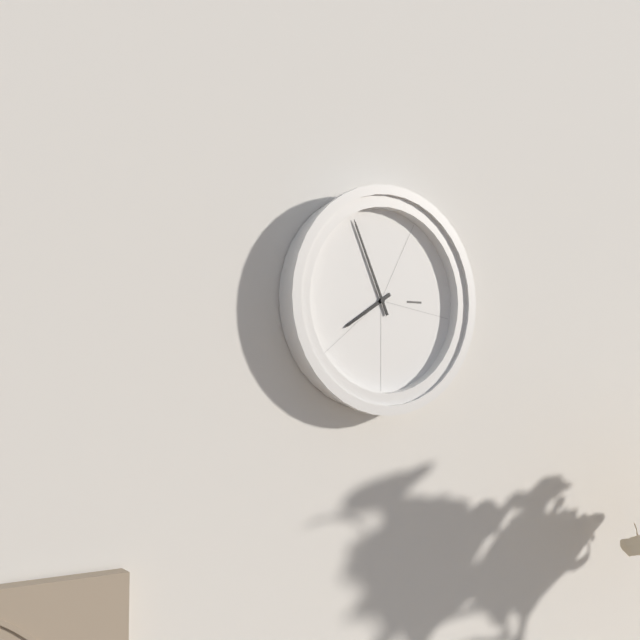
h=7 m=56
